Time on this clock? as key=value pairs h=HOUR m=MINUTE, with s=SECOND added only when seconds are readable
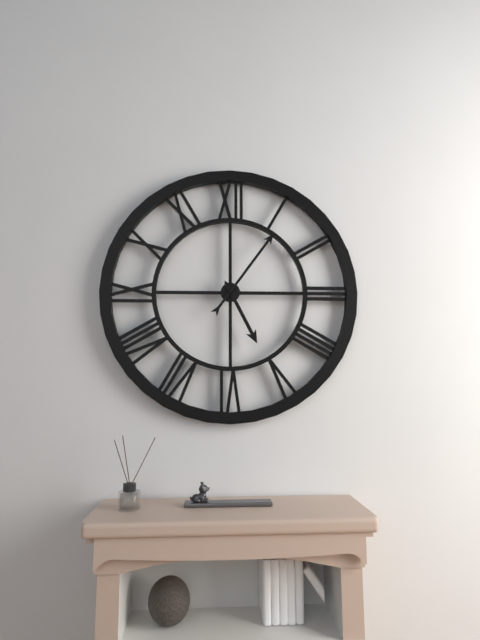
h=5 m=6
